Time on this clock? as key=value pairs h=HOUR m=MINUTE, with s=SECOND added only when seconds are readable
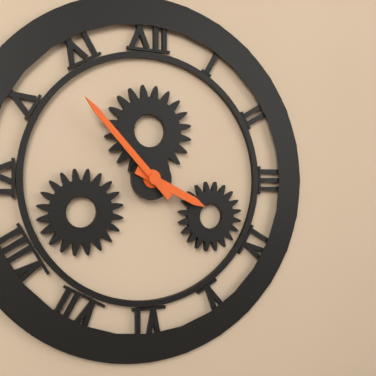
h=3 m=53
